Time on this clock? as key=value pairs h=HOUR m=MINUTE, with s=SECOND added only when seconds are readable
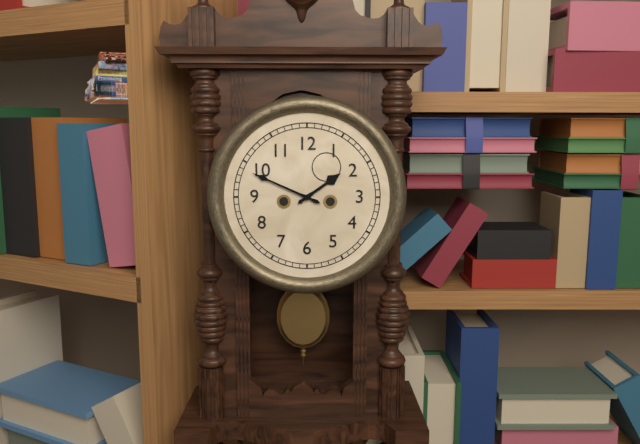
h=1 m=49
